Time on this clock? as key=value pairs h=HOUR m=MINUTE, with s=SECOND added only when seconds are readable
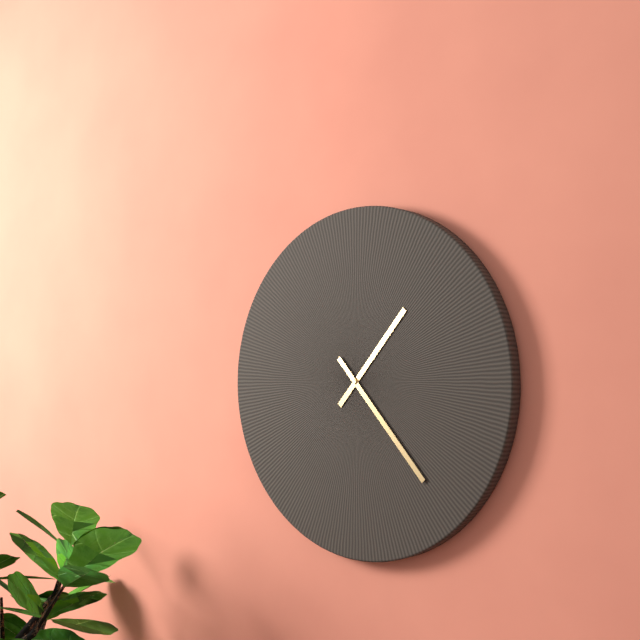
h=1 m=23
